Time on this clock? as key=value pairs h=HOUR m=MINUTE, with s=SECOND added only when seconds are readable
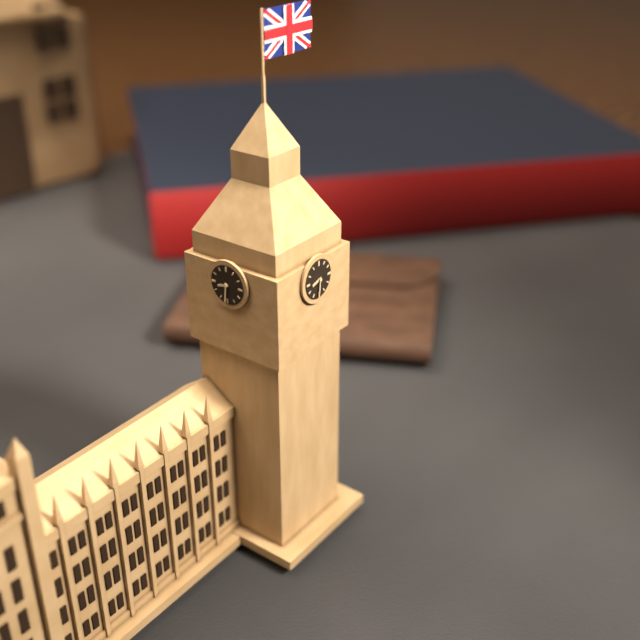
h=8 m=31
